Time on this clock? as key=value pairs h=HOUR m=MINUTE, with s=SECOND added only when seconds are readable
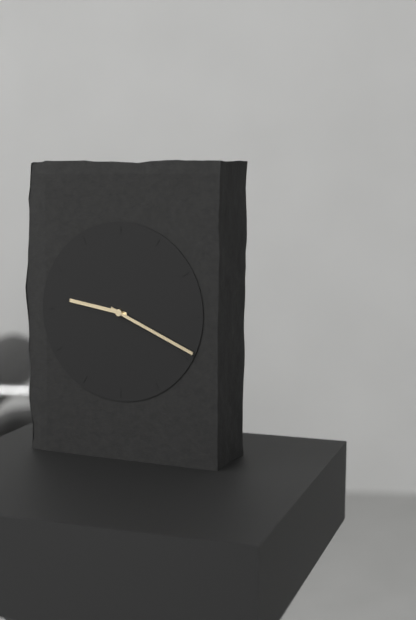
h=9 m=19
